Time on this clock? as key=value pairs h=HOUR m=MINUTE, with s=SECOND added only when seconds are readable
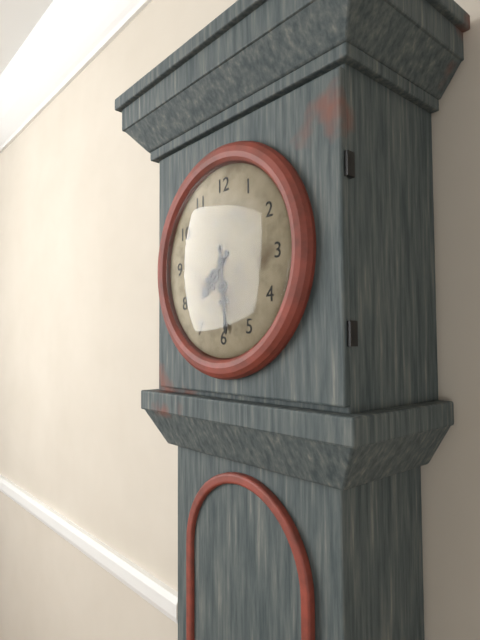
h=7 m=29
